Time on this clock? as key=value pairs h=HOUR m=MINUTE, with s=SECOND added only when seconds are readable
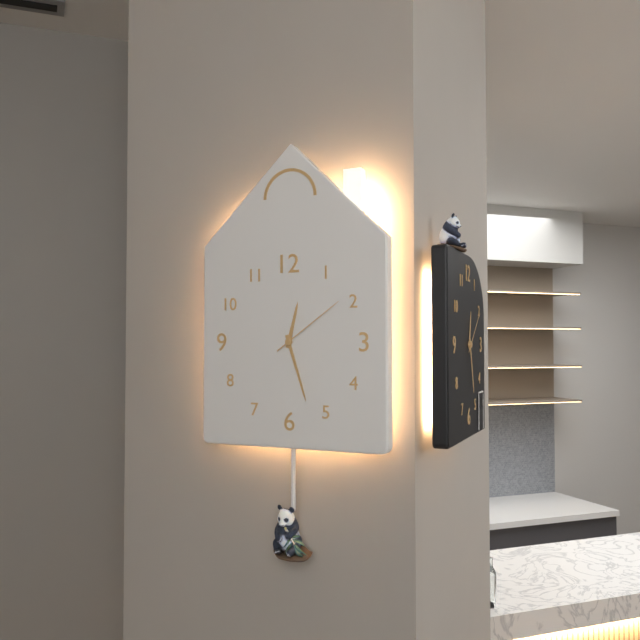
h=12 m=27 s=9
